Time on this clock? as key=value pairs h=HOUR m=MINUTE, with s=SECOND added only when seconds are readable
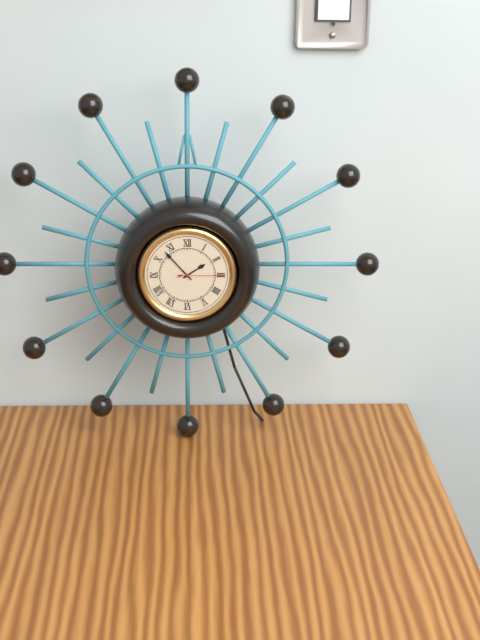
h=1 m=53
